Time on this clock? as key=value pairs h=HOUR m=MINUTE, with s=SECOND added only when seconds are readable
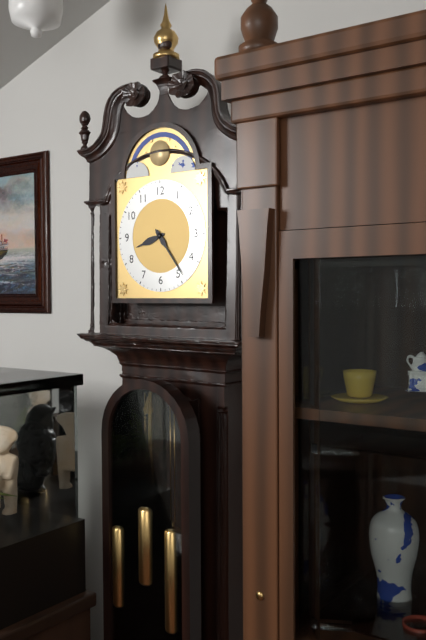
h=8 m=24
